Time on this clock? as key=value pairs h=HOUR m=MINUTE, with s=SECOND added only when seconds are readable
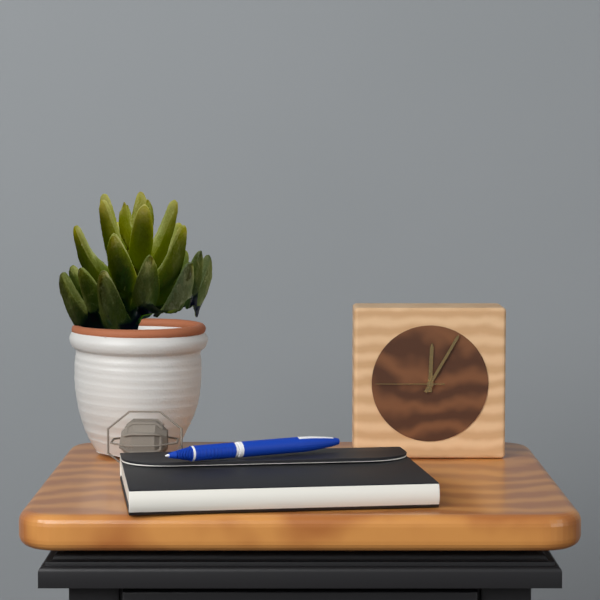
h=12 m=5 s=45
